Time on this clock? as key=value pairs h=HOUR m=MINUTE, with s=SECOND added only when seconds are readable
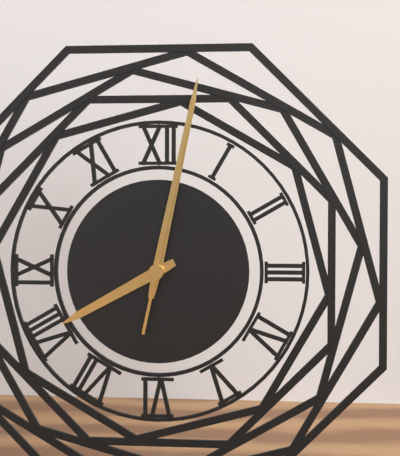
h=8 m=2 s=2
